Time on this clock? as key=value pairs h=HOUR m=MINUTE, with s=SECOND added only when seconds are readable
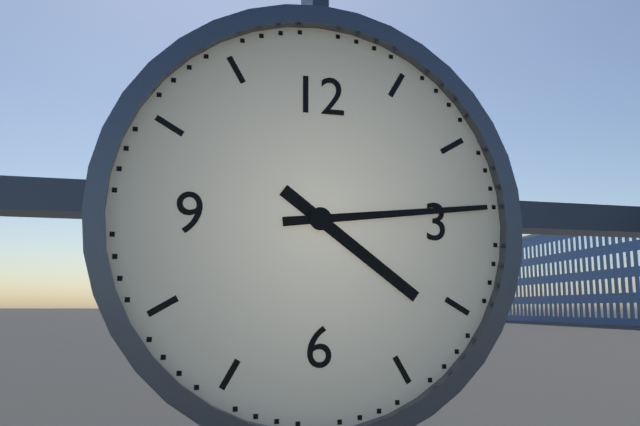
h=4 m=14
